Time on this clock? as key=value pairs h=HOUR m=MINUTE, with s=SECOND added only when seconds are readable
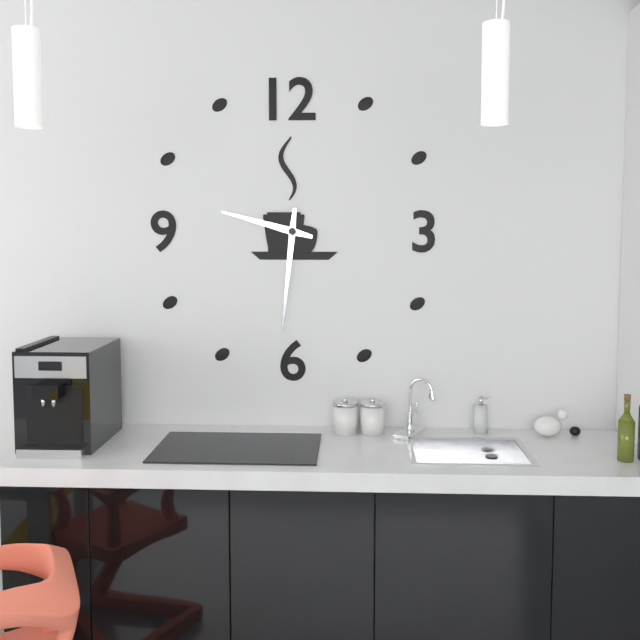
h=9 m=31
